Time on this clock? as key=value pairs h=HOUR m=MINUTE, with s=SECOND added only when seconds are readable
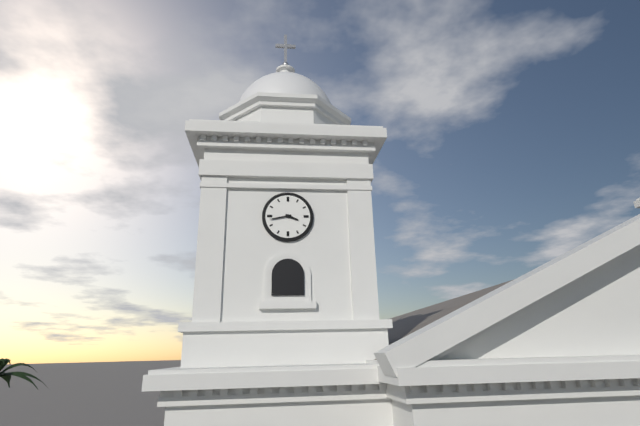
h=3 m=43
